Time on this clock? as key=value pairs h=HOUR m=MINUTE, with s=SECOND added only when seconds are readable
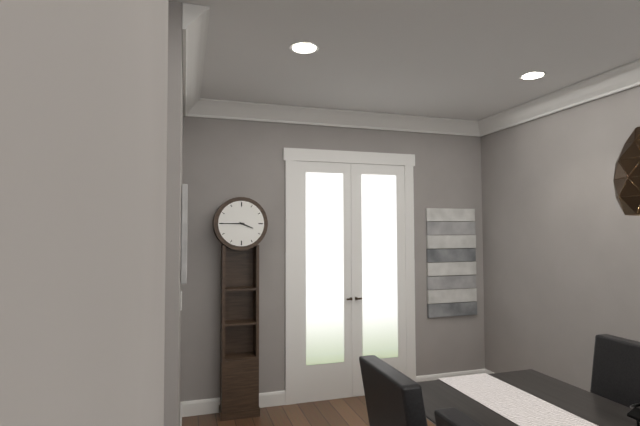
h=3 m=45
